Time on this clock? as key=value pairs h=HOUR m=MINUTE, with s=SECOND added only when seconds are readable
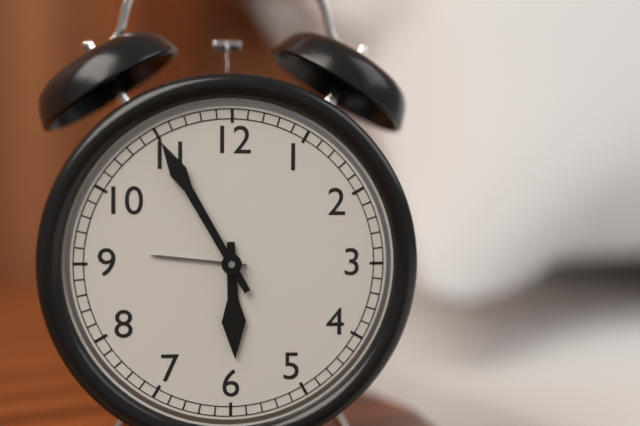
h=5 m=55
